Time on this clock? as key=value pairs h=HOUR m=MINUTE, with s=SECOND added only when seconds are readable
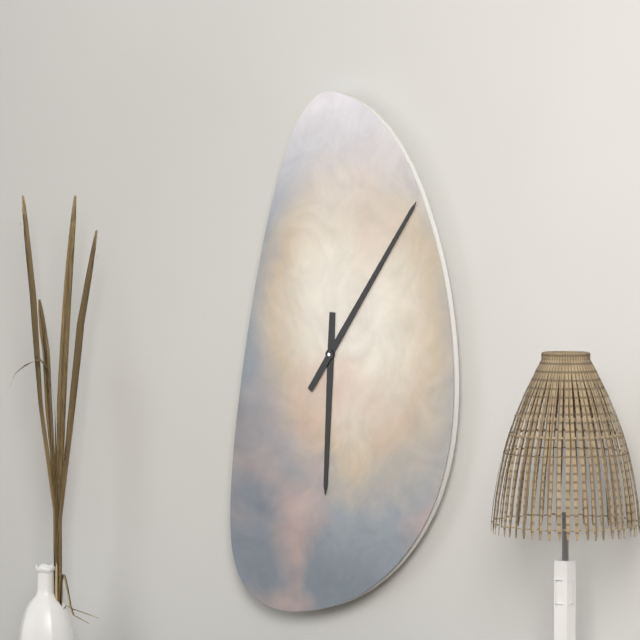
h=6 m=6
